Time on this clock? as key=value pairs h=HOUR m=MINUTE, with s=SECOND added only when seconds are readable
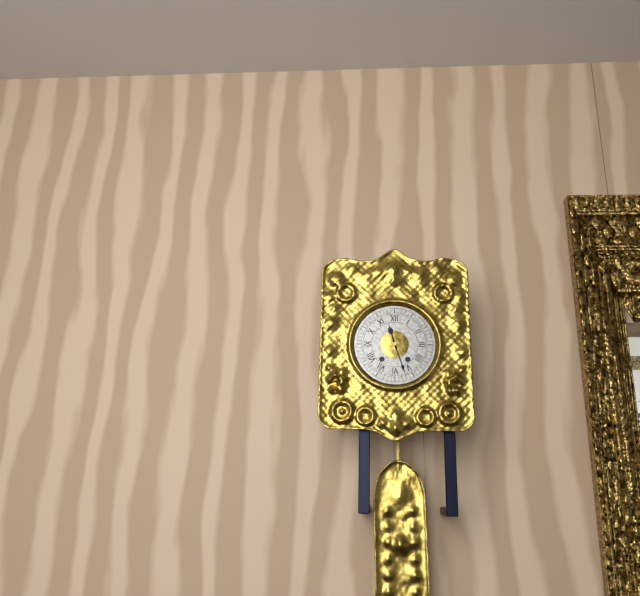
h=11 m=27
